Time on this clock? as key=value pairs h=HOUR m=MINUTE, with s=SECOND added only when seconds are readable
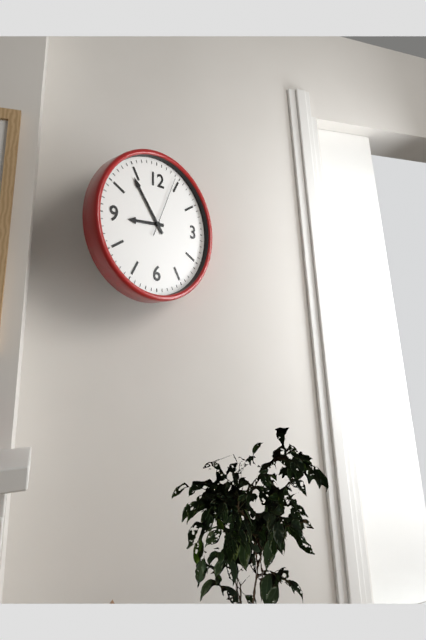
h=8 m=54 s=4
